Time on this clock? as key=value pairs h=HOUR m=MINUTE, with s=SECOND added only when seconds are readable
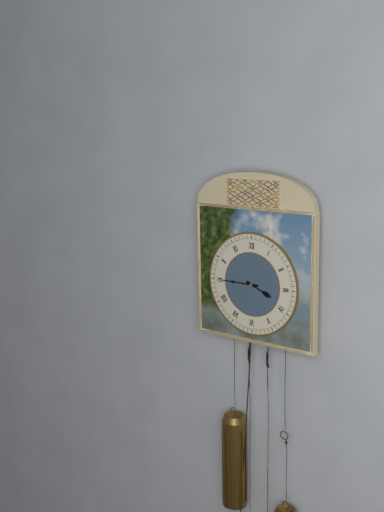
h=3 m=45
